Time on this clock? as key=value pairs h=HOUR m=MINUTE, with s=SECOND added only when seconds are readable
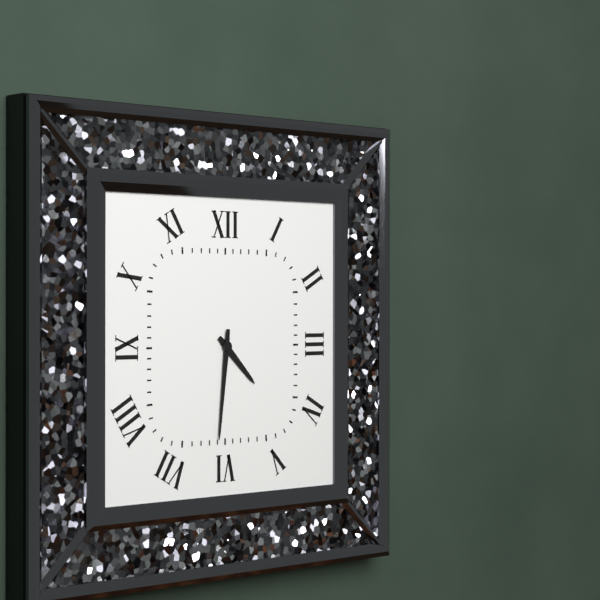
h=4 m=31
